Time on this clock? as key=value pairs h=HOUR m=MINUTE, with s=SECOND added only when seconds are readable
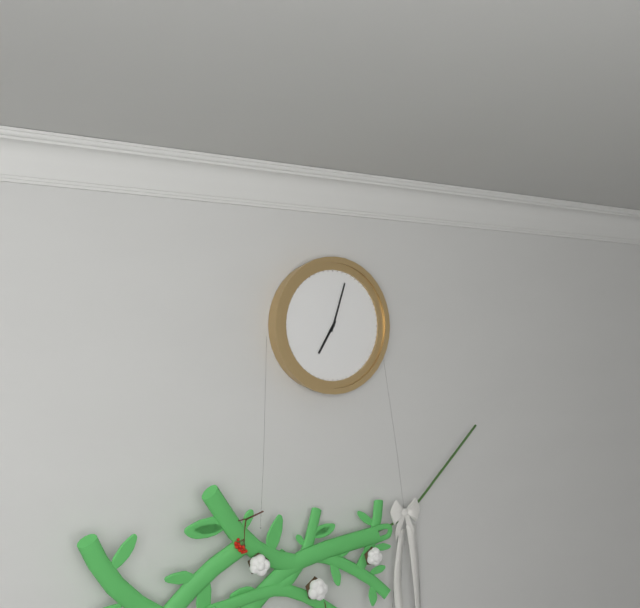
h=7 m=3
